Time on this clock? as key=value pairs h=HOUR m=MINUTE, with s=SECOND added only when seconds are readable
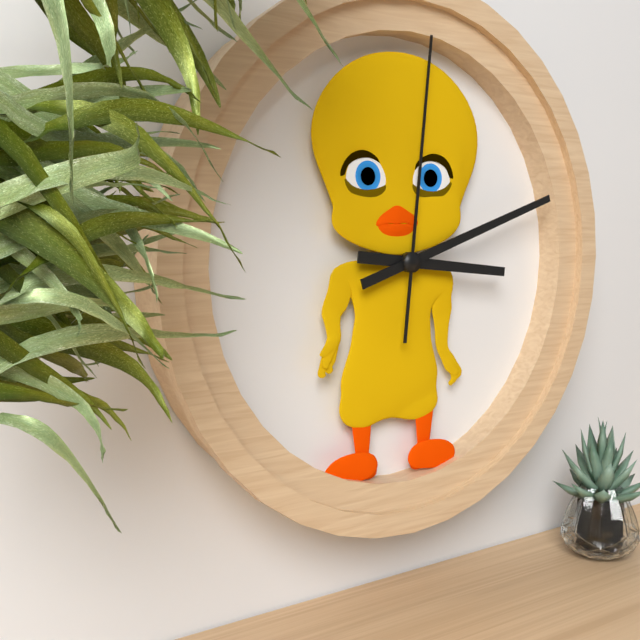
h=3 m=12 s=1
